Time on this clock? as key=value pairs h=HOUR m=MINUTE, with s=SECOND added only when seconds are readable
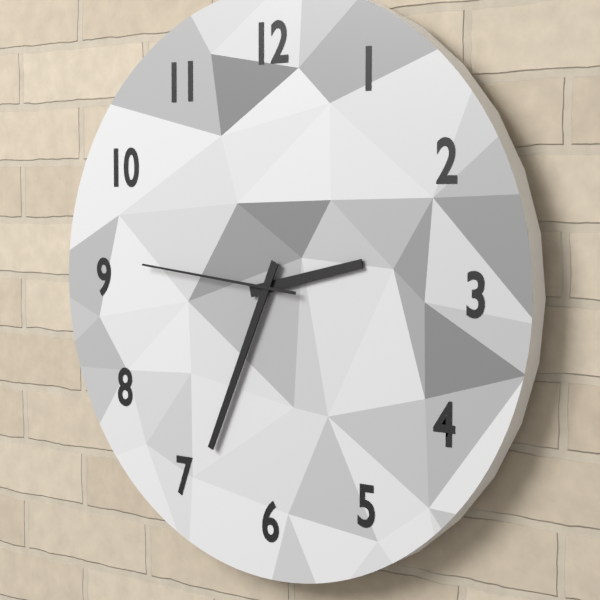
h=2 m=34 s=46
